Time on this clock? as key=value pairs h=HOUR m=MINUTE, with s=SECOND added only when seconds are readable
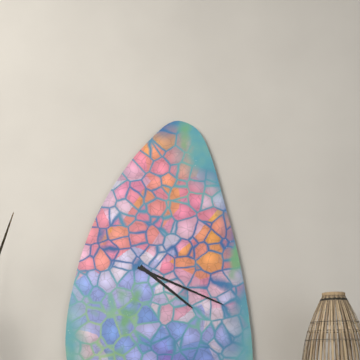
h=4 m=19
